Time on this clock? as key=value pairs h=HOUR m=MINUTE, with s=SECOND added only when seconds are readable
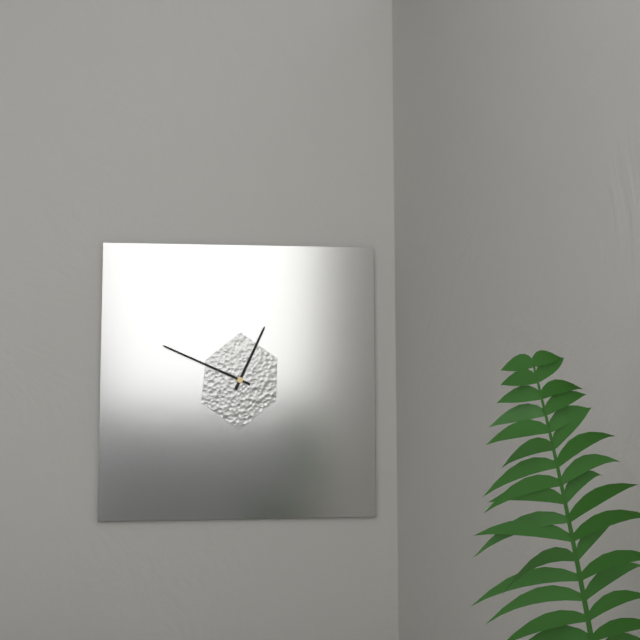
h=12 m=49
